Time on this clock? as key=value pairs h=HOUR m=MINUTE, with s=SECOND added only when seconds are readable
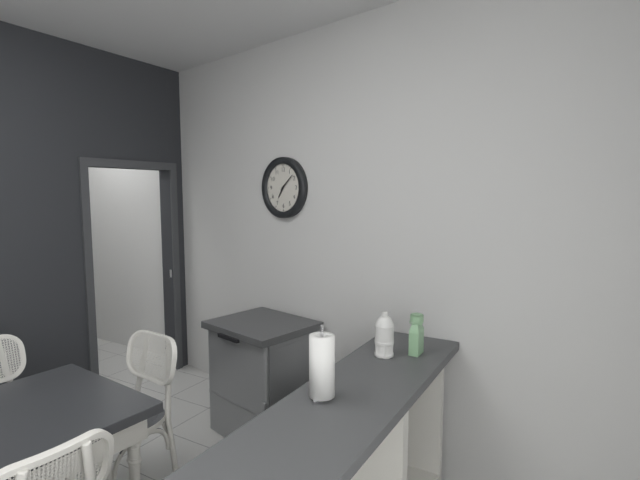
h=7 m=8
